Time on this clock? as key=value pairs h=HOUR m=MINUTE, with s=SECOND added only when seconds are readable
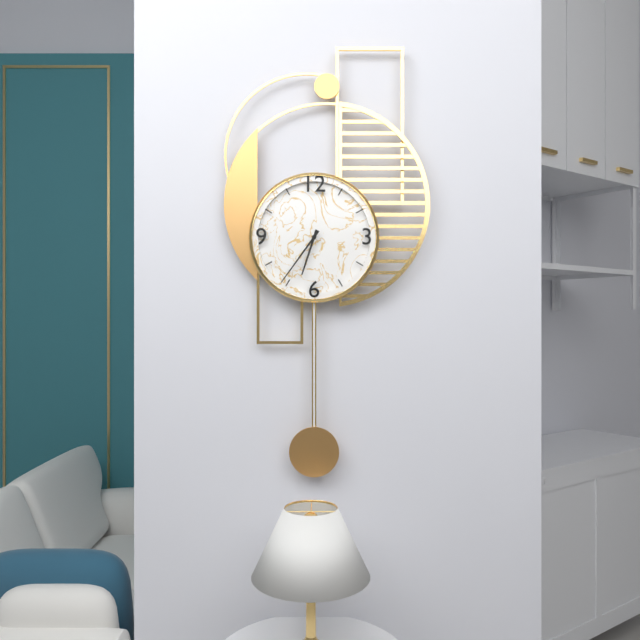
h=6 m=36
